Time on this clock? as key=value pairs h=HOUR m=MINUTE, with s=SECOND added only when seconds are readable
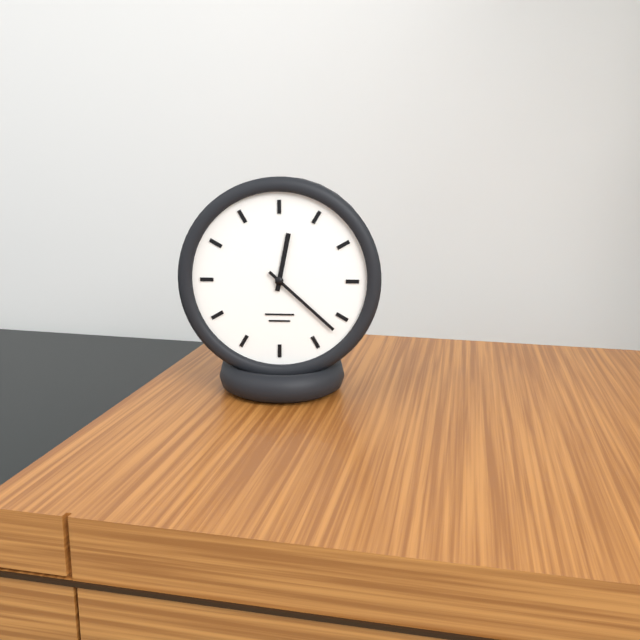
h=12 m=22
